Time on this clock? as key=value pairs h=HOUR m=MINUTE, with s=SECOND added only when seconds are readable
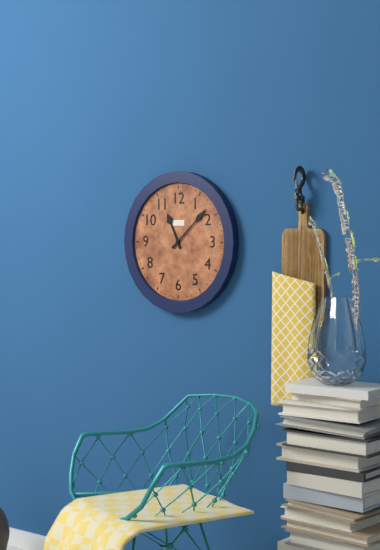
h=11 m=8
